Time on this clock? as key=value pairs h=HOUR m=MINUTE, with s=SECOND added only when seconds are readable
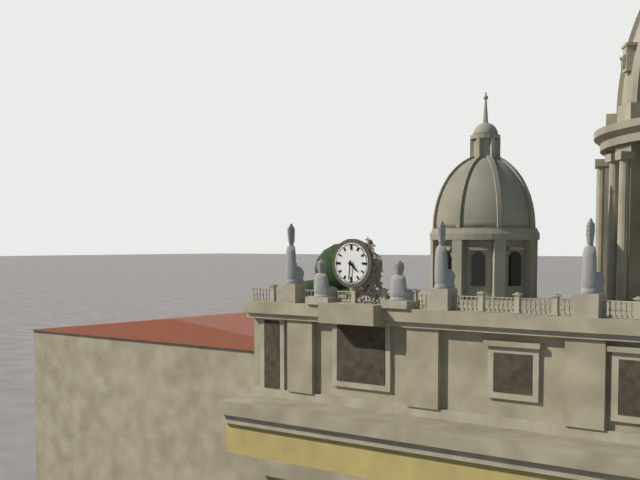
h=4 m=31
